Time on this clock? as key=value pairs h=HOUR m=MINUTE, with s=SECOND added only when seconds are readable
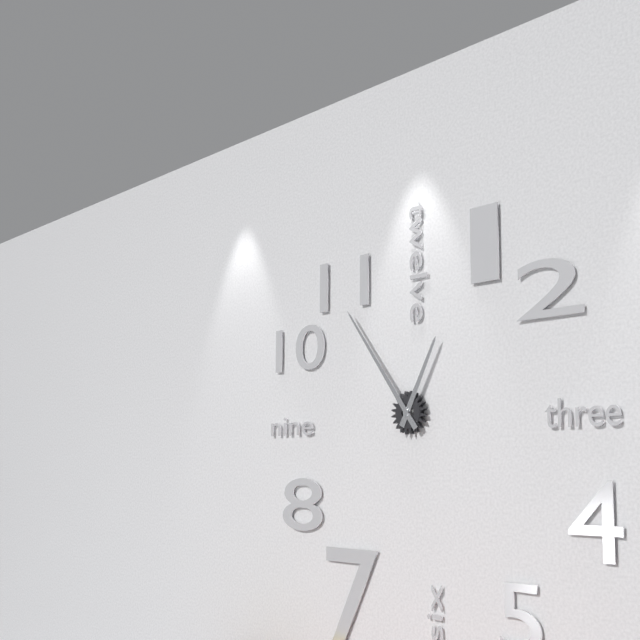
h=12 m=54
